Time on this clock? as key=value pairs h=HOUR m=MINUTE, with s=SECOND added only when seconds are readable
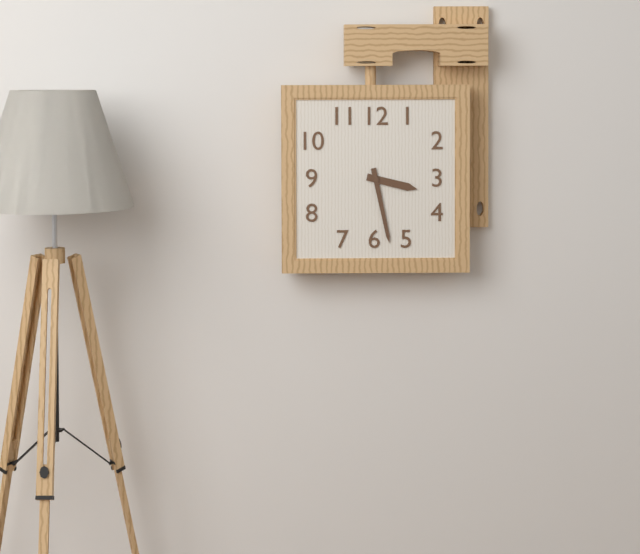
h=3 m=28
